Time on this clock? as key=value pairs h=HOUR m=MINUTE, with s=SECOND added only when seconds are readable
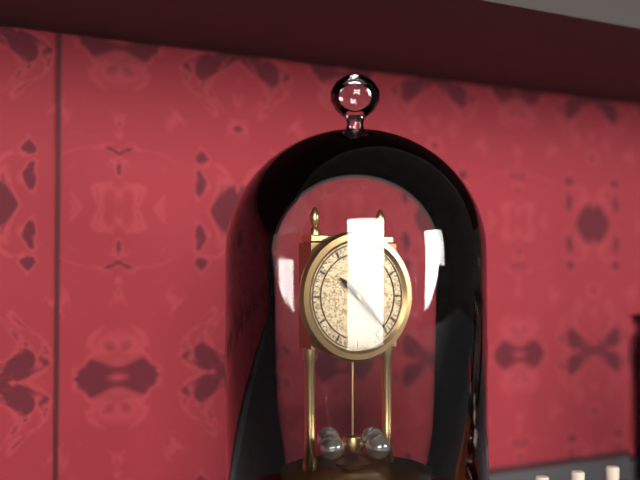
h=10 m=23
